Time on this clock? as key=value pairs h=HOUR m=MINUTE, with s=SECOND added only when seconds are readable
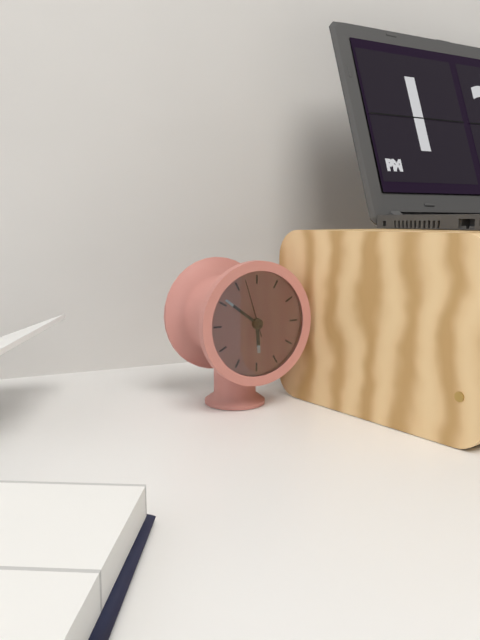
h=5 m=51 s=57
